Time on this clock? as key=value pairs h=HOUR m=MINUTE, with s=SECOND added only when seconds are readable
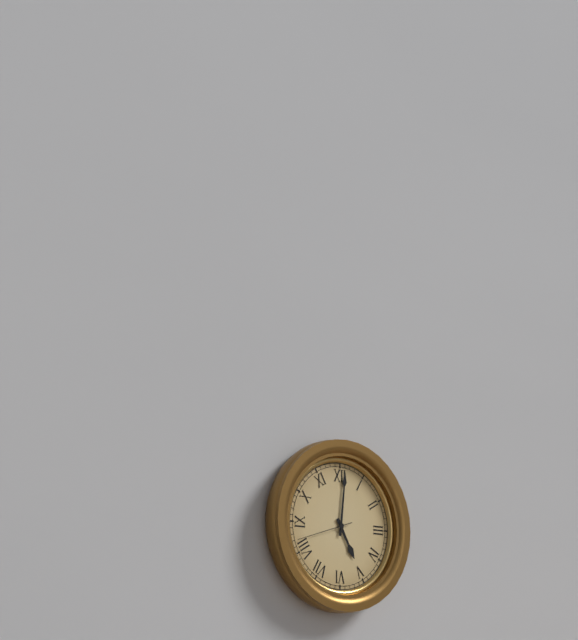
h=5 m=1 s=42
